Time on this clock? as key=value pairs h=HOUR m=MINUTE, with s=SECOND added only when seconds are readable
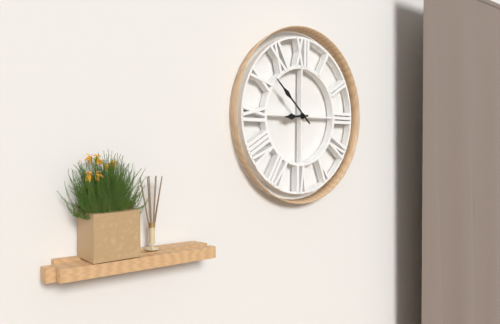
h=8 m=52
